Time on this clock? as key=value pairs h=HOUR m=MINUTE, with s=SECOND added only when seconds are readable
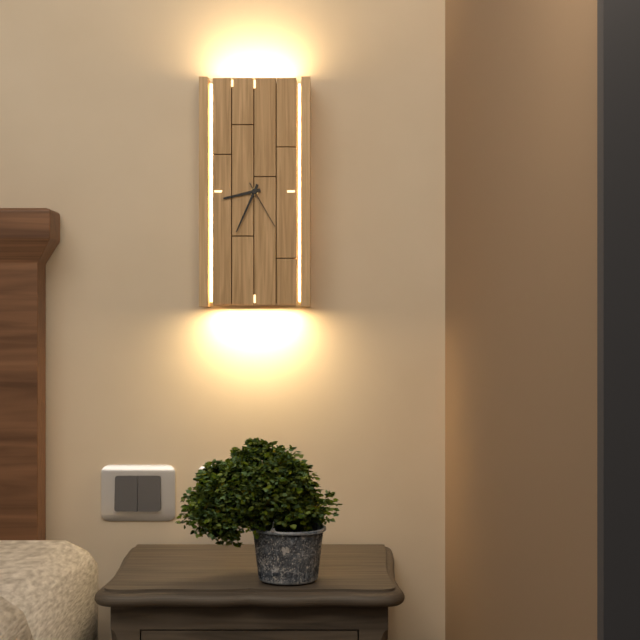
h=8 m=34 s=25
